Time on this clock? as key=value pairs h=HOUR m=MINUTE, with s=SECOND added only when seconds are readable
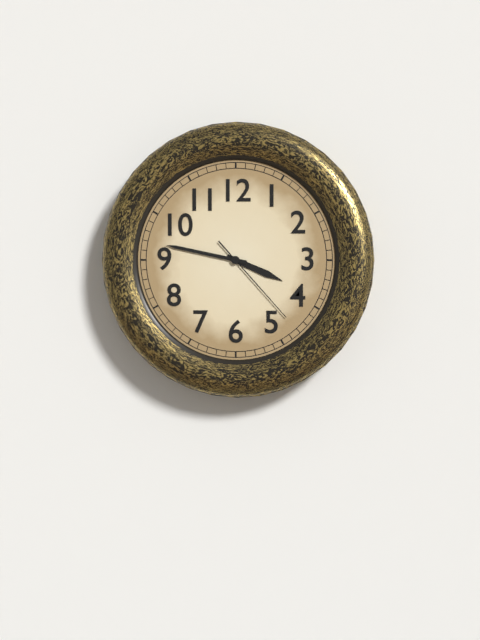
h=3 m=47 s=23
